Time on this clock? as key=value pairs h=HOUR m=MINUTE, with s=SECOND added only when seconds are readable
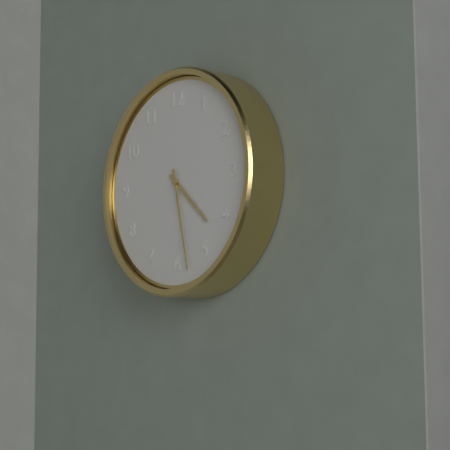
h=4 m=28
